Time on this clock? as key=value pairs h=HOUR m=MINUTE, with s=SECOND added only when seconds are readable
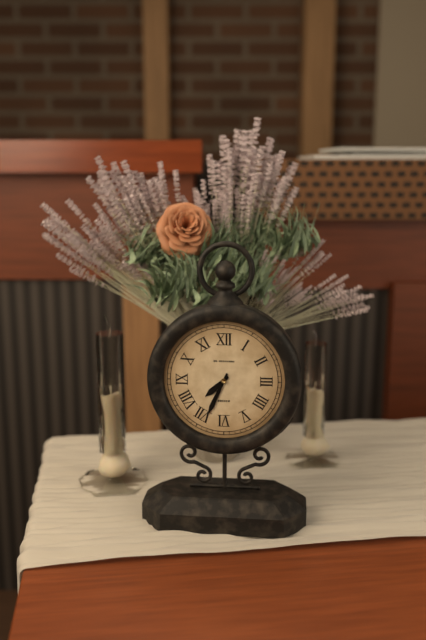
h=7 m=34
